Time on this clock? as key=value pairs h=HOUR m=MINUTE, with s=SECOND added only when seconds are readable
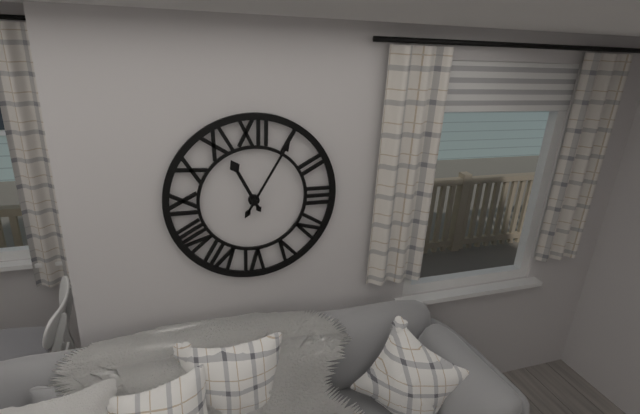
h=11 m=5
